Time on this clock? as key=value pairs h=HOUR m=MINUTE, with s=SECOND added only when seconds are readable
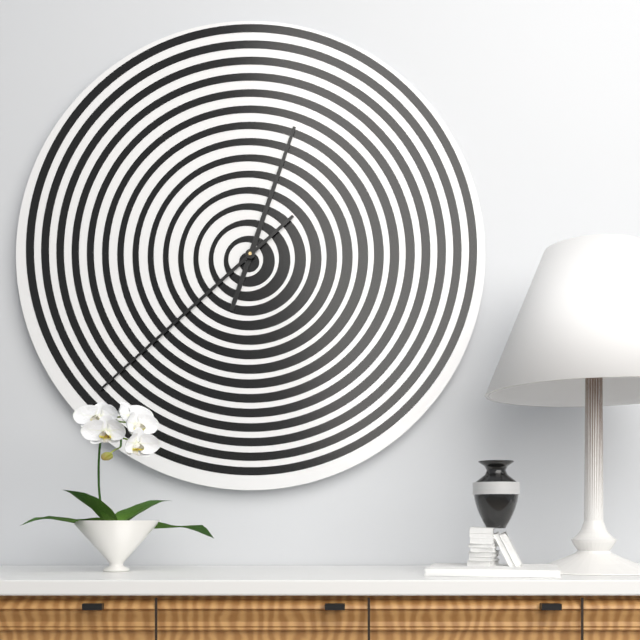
h=12 m=38
